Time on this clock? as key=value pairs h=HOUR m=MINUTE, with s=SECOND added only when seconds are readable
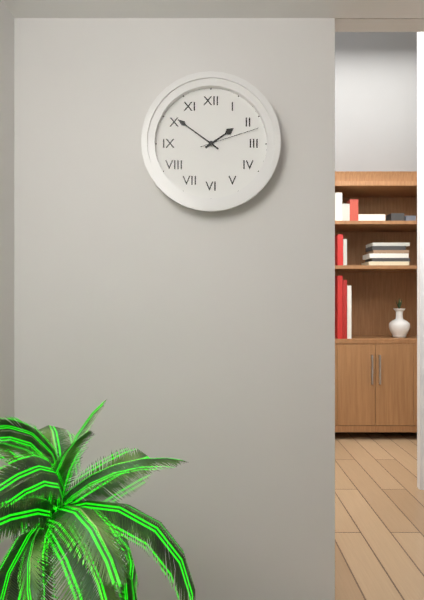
h=1 m=51 s=12
